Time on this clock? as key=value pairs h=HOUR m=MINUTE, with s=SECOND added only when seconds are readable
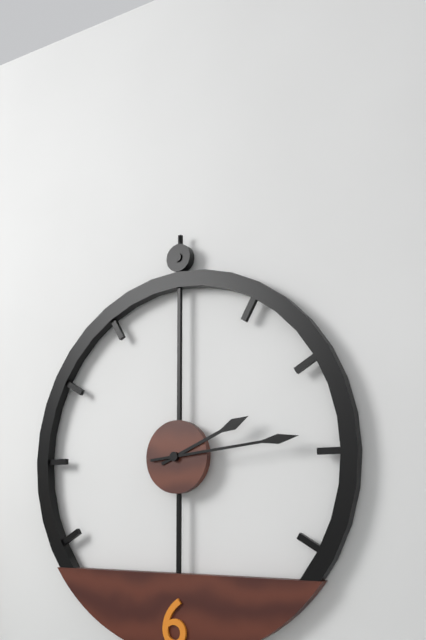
h=2 m=14
